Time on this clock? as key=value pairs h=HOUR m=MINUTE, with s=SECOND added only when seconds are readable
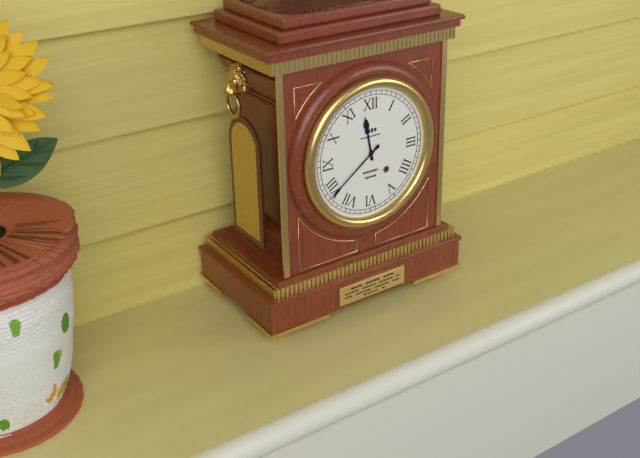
h=11 m=39
